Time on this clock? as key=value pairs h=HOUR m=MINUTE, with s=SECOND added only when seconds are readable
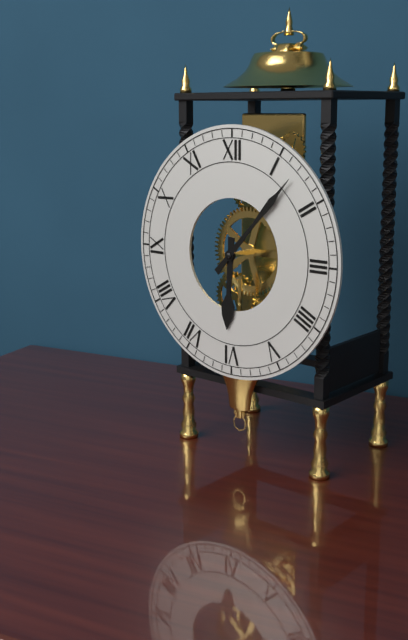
h=6 m=7
